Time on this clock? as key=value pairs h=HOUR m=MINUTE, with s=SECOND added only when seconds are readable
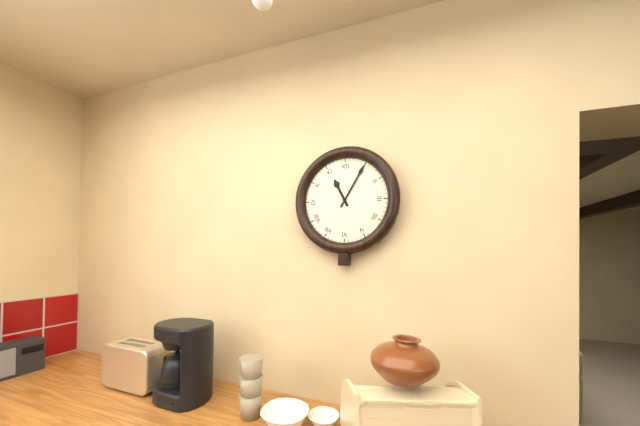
h=11 m=5
